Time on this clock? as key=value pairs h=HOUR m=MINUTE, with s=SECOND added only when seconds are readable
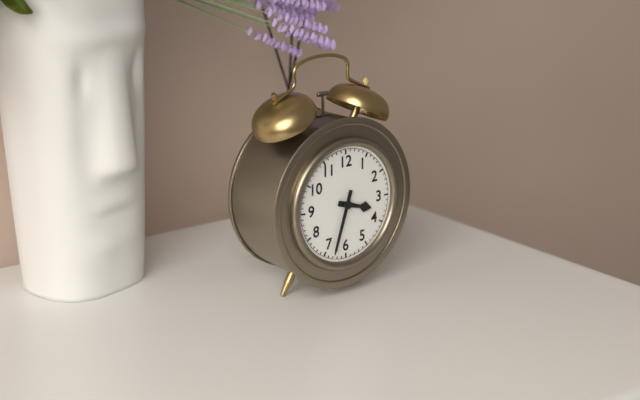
h=3 m=33
